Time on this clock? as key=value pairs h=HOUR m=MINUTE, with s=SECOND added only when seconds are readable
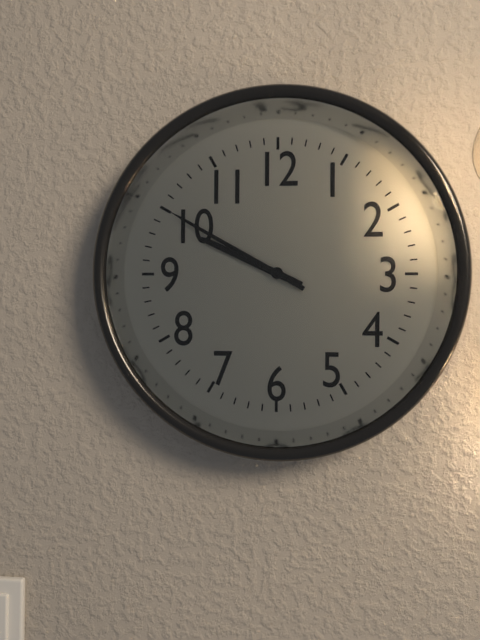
h=9 m=50
